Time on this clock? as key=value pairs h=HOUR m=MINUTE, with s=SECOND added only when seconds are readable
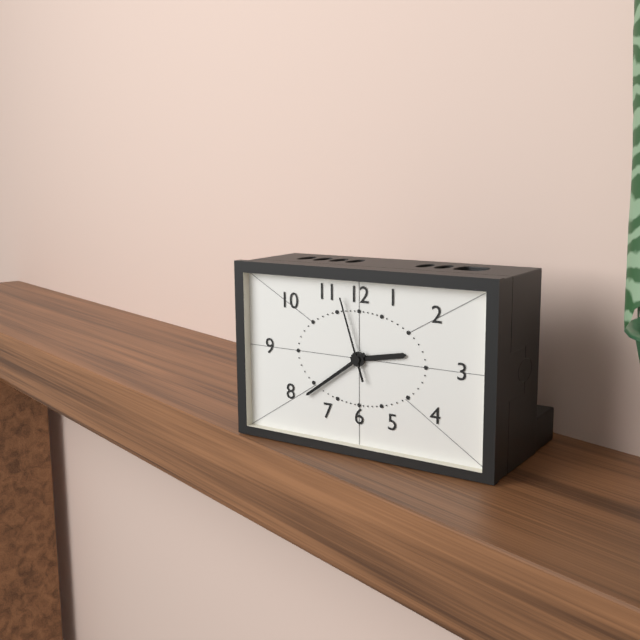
h=2 m=39 s=57
